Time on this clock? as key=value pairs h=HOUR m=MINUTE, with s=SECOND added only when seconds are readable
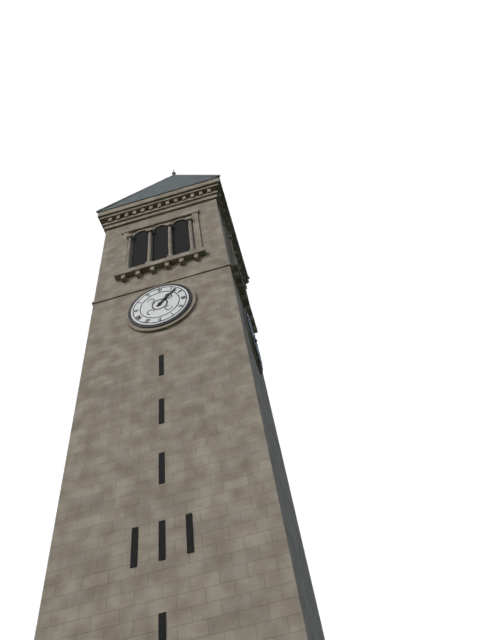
h=1 m=7
